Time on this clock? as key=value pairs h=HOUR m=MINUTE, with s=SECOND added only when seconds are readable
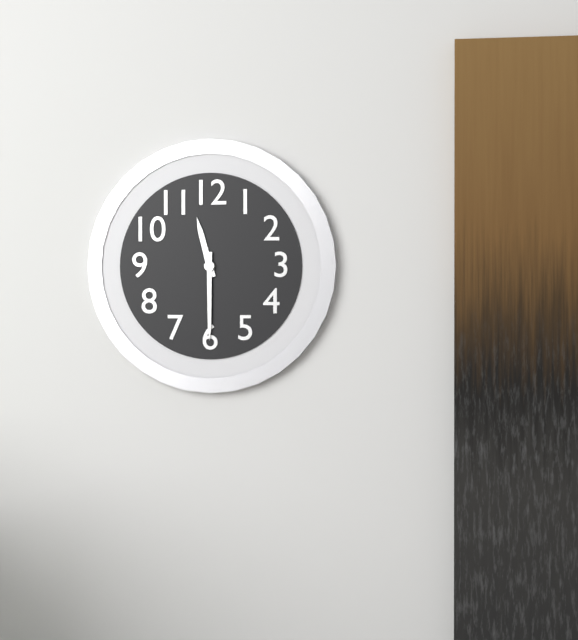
h=11 m=30
